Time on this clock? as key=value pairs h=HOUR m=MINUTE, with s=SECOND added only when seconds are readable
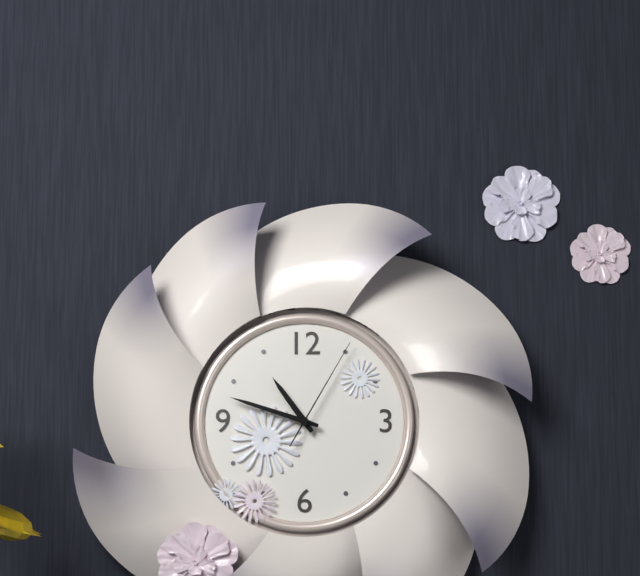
h=10 m=48 s=5
